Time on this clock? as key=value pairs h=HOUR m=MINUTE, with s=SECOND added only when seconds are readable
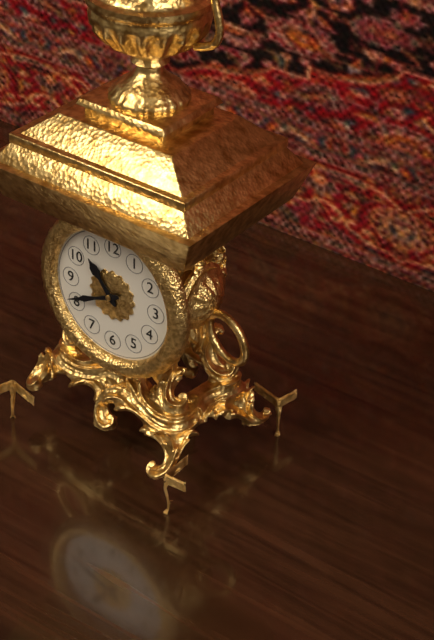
h=10 m=41
